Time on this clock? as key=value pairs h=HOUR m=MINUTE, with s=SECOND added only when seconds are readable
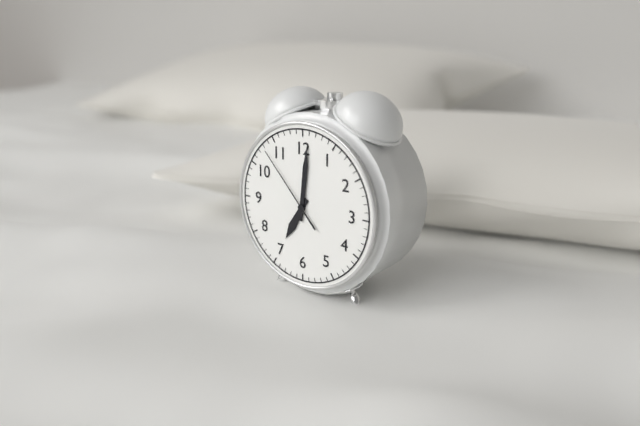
h=7 m=1 s=53
